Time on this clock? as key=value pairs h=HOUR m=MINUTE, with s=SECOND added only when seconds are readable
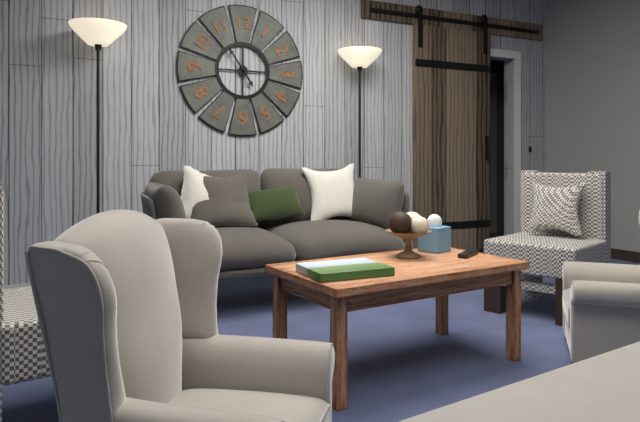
h=4 m=54
